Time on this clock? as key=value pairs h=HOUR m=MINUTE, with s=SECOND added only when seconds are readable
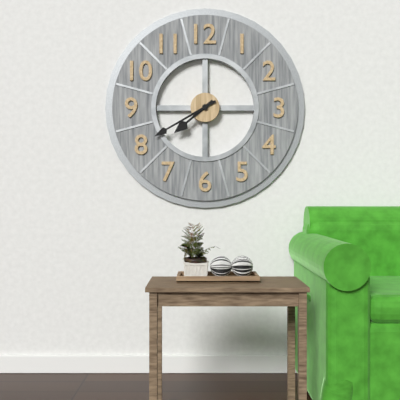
h=7 m=40
